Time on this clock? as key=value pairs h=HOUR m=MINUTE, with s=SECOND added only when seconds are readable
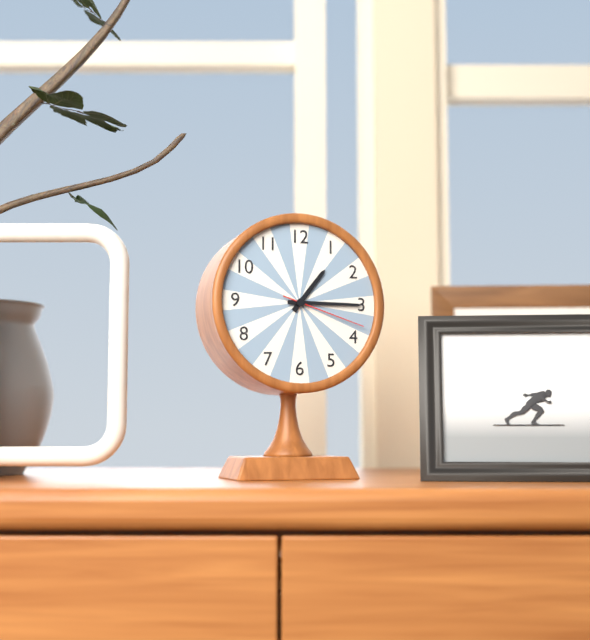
h=1 m=15 s=18
